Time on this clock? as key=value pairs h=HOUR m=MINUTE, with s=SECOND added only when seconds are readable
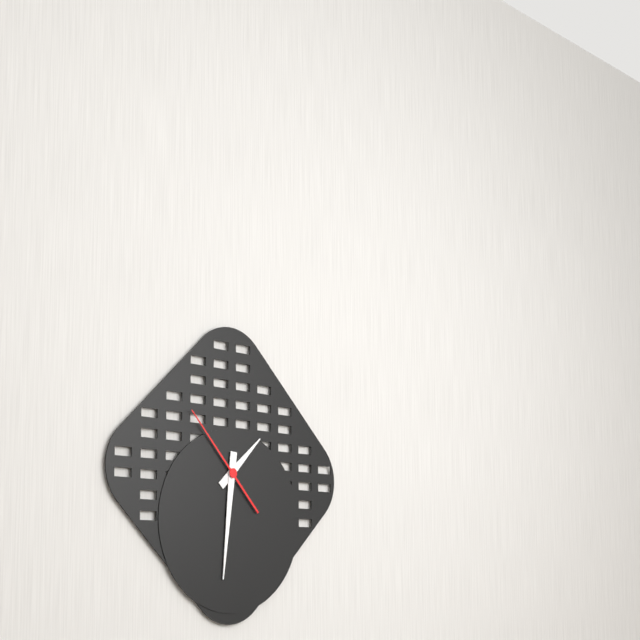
h=1 m=31 s=53
